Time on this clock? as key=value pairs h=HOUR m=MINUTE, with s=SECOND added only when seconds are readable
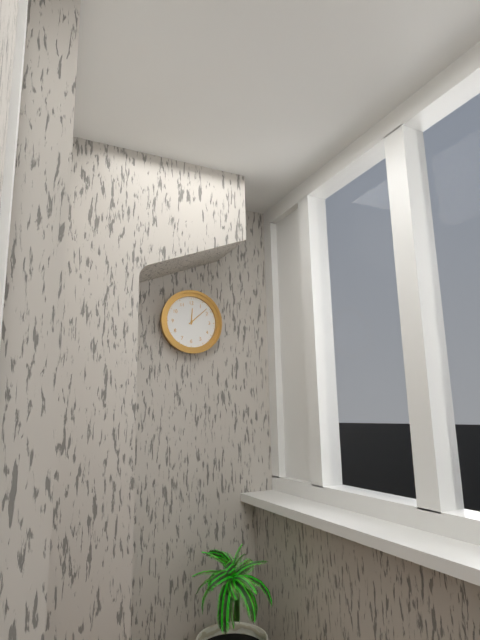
h=12 m=8
